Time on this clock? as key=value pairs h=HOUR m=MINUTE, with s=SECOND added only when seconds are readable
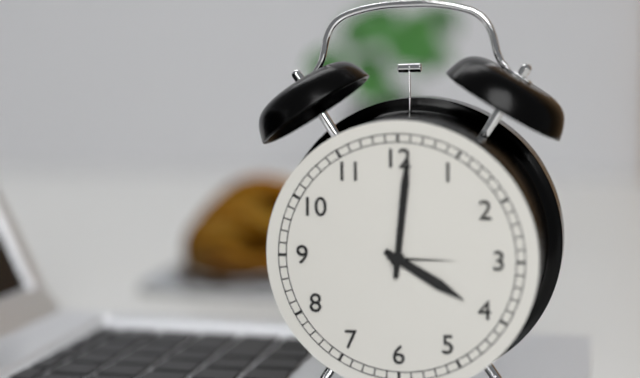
h=4 m=1
